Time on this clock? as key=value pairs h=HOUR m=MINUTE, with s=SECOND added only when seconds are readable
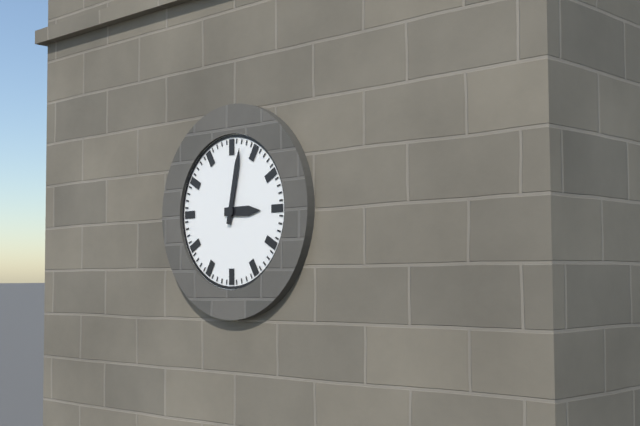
h=3 m=2
